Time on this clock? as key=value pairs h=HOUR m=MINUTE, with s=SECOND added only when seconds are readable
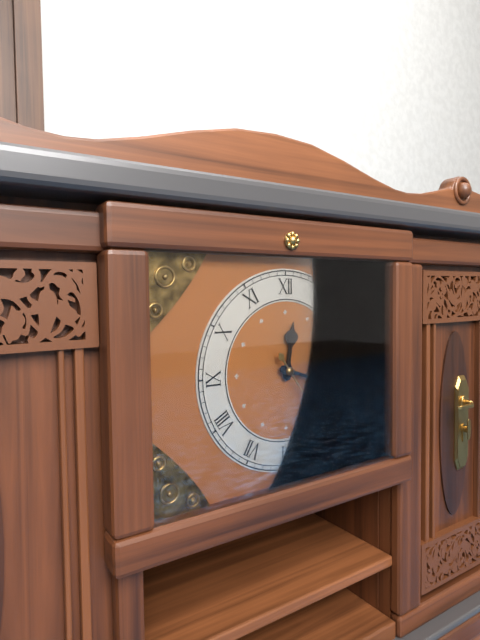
h=12 m=18 s=24
